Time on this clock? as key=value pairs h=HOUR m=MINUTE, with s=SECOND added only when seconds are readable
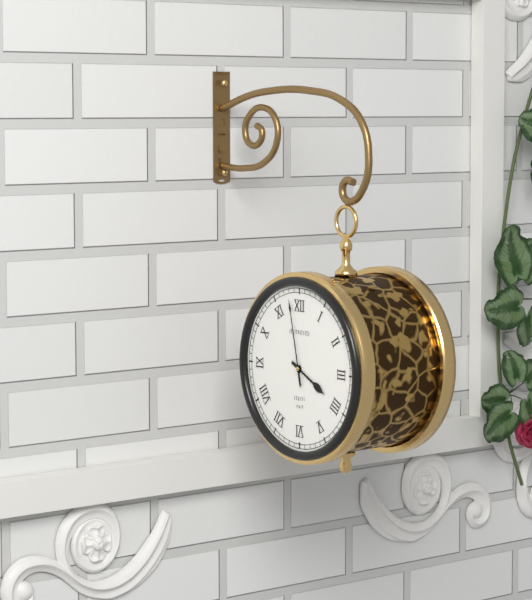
h=3 m=58
